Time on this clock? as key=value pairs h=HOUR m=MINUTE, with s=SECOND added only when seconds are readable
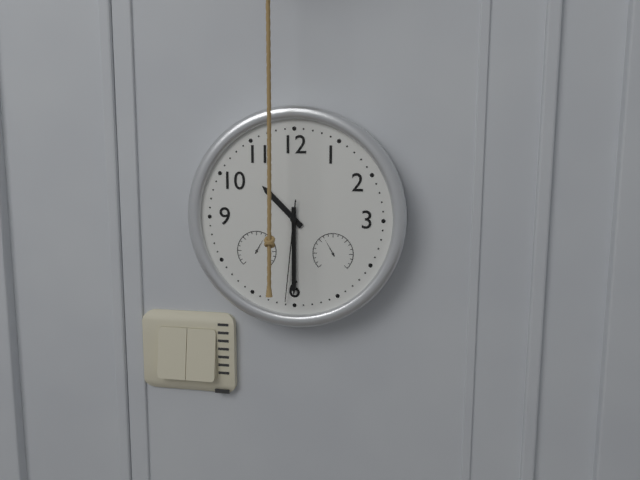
h=10 m=30 s=31
